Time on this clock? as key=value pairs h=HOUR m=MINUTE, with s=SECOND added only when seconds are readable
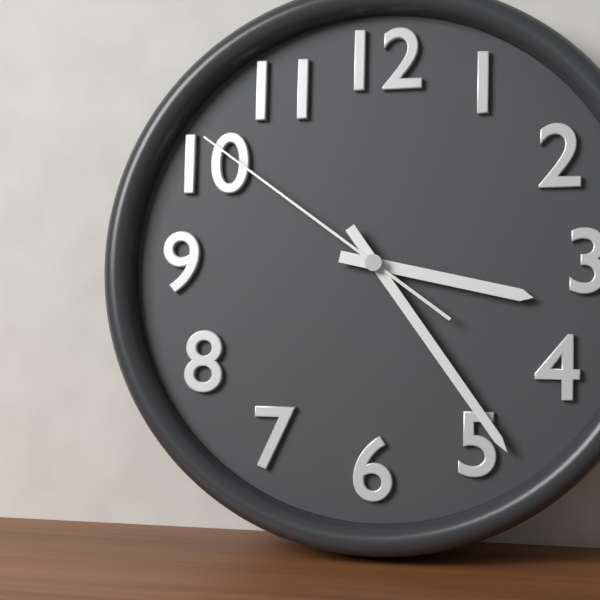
h=3 m=24 s=51
